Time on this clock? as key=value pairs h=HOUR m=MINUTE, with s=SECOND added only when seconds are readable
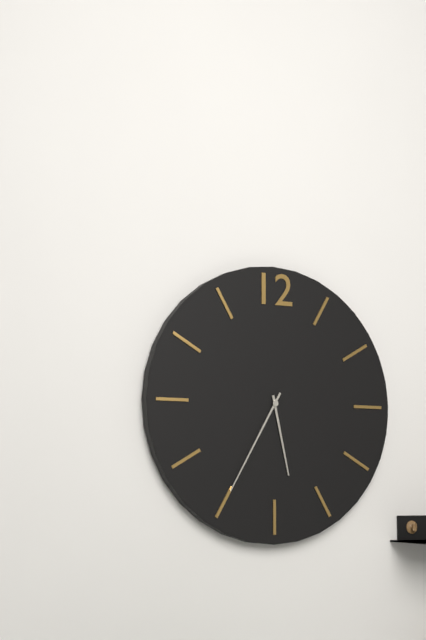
h=5 m=35
